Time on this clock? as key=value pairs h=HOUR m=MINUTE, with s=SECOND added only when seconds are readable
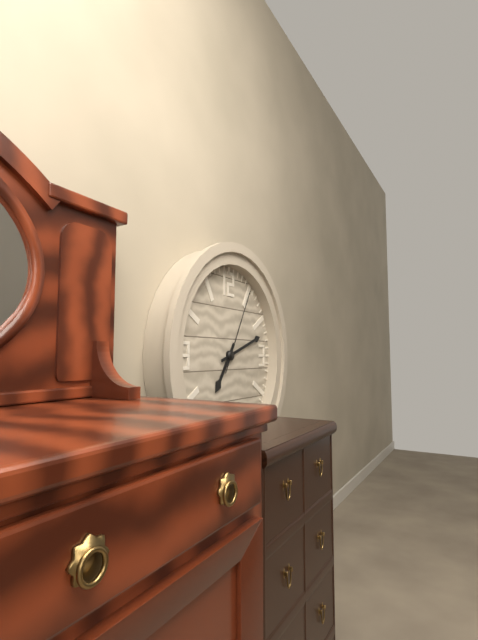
h=7 m=12 s=5
